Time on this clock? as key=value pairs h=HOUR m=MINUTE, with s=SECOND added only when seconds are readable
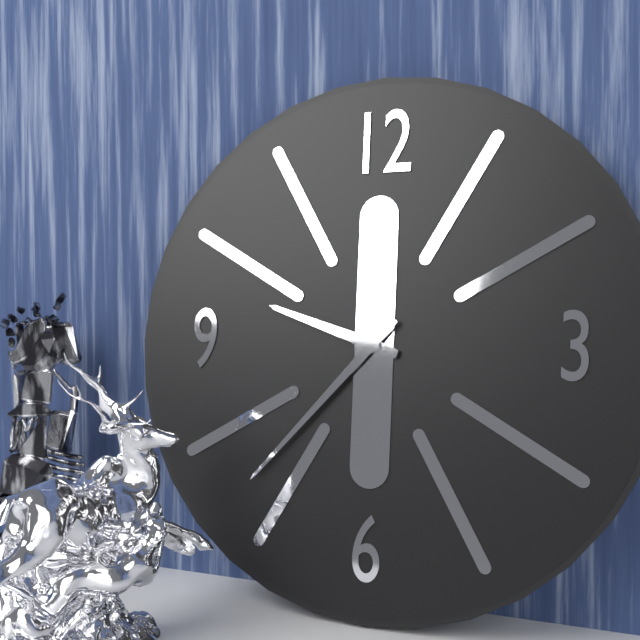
h=9 m=37
